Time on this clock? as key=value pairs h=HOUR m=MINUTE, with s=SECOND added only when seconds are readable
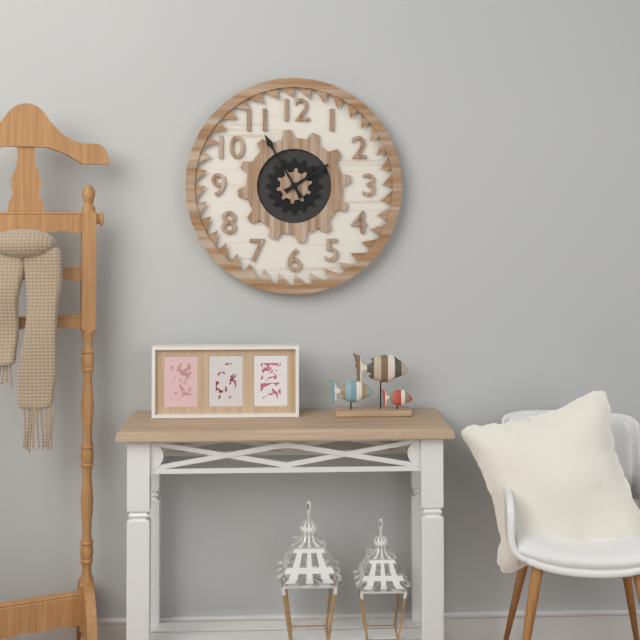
h=1 m=55
